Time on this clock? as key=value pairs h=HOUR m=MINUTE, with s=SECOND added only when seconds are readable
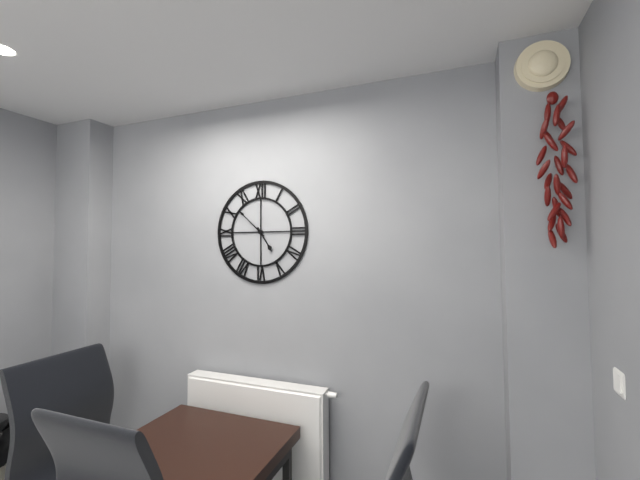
h=4 m=52
